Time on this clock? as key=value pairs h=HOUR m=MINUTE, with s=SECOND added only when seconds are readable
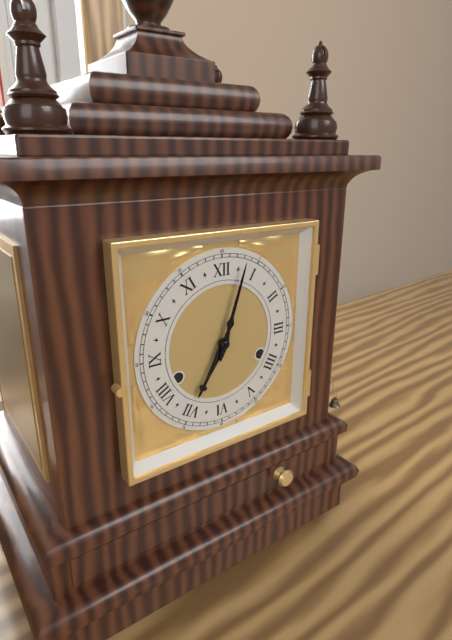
h=7 m=3
